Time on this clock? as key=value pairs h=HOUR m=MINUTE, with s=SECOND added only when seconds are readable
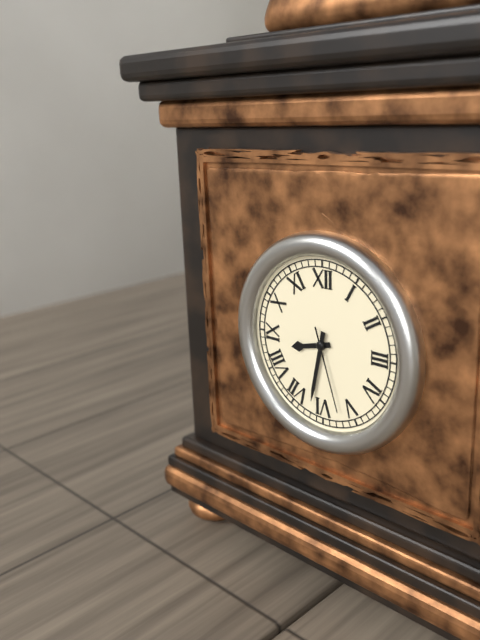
h=8 m=32 s=27
